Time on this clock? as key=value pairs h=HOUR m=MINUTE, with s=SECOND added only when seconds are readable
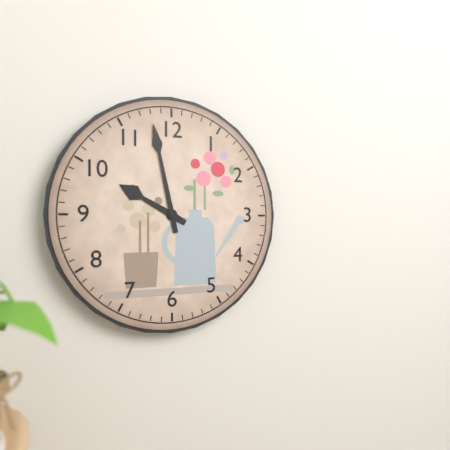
h=9 m=58
